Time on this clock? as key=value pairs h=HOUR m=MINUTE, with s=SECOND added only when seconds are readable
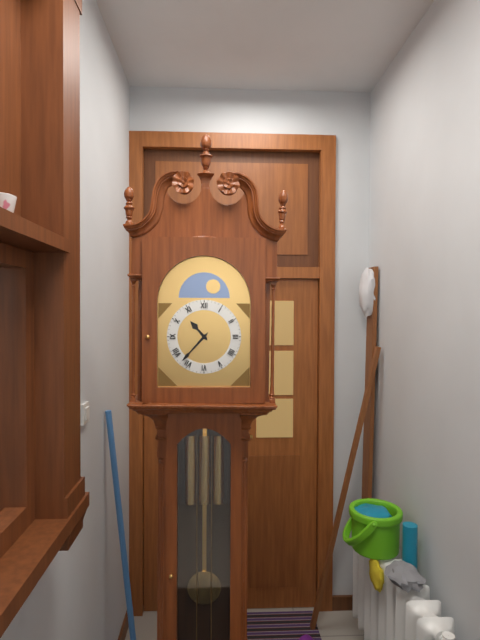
h=10 m=37
